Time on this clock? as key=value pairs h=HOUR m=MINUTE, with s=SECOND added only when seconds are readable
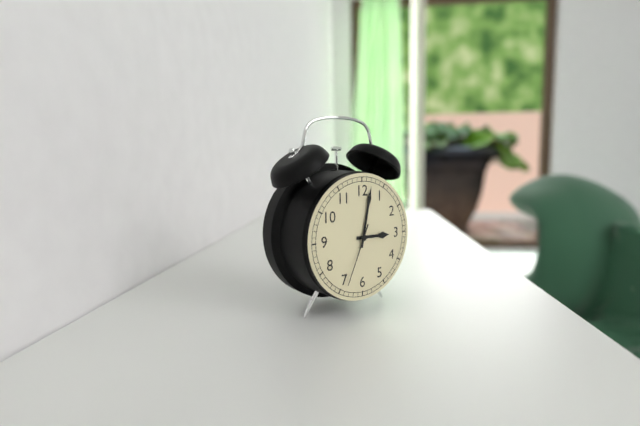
h=3 m=2 s=34
